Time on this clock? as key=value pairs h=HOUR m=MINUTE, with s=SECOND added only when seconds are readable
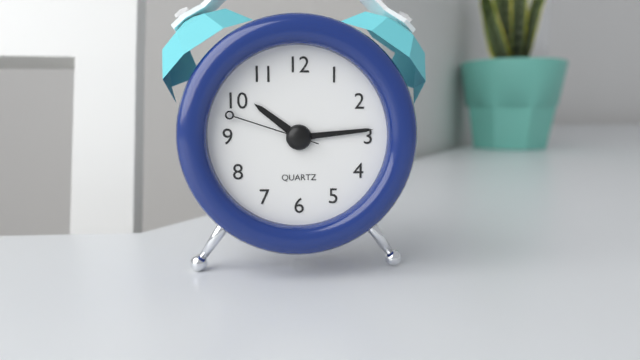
h=10 m=14 s=48
